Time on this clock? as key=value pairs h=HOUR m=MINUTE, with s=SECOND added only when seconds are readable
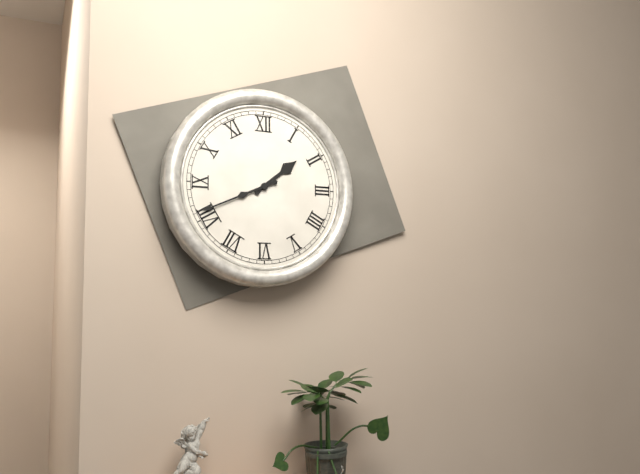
h=1 m=41
